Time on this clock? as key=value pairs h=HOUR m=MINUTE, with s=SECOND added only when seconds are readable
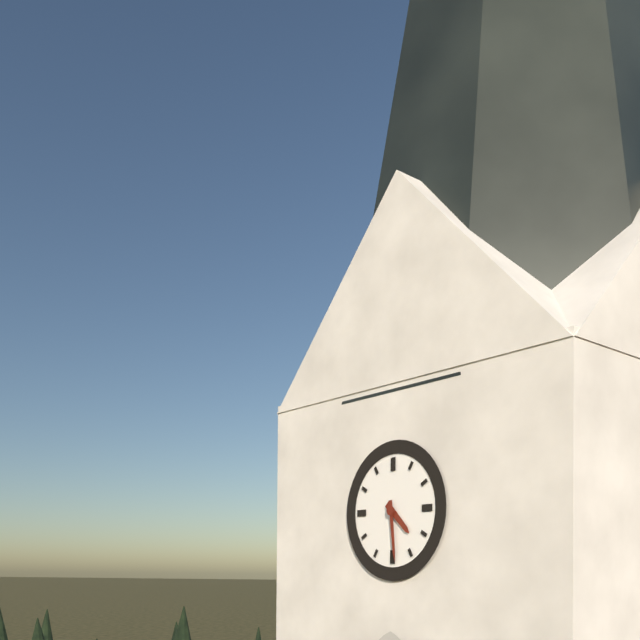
h=4 m=29
